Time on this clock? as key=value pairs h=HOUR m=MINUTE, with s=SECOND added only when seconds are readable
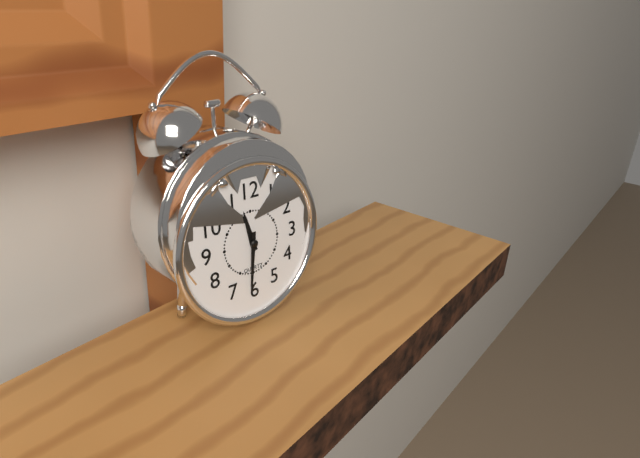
h=11 m=31
